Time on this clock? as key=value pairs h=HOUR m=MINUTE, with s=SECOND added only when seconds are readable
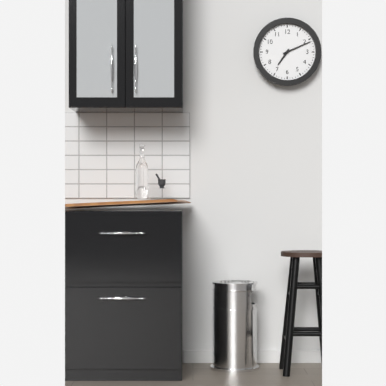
h=7 m=11
